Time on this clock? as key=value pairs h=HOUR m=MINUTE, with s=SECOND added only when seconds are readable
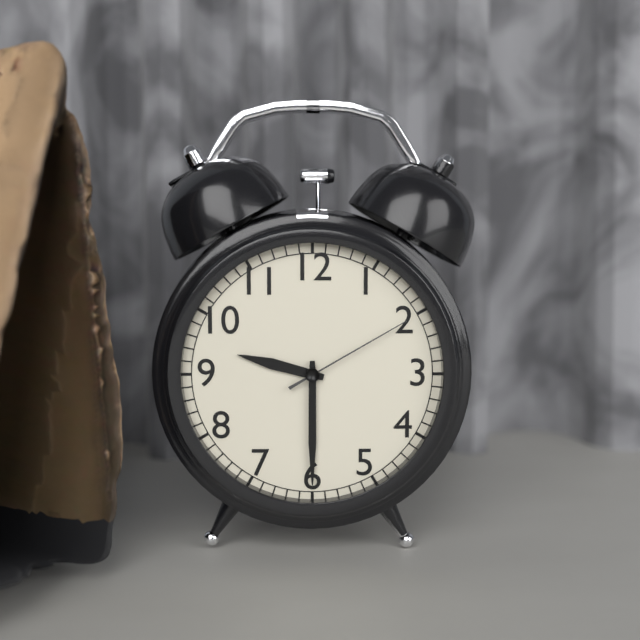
h=9 m=30 s=10
